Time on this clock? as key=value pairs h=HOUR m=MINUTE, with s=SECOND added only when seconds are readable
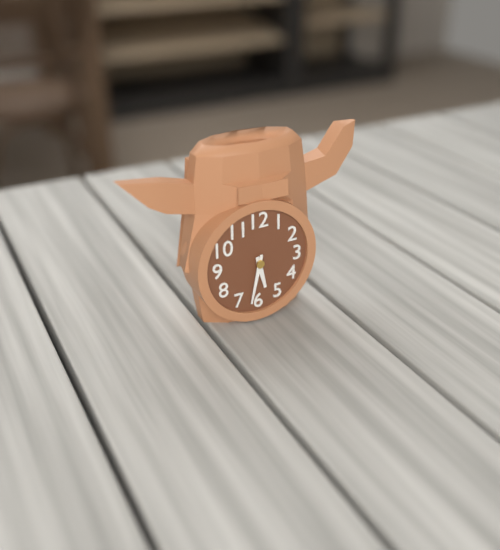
h=5 m=32
